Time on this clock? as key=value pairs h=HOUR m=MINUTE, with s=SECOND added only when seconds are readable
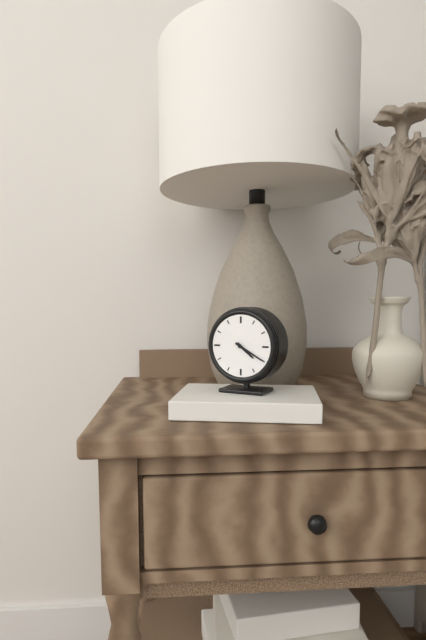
h=4 m=20
